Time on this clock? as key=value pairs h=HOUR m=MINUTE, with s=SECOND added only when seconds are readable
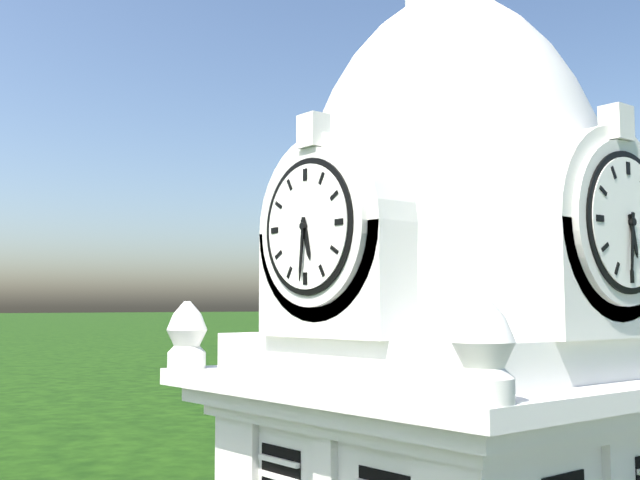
h=5 m=31
